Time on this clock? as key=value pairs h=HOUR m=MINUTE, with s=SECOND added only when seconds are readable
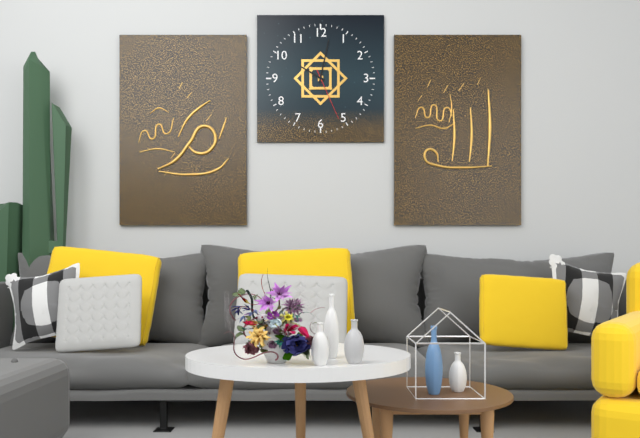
h=10 m=2 s=26
